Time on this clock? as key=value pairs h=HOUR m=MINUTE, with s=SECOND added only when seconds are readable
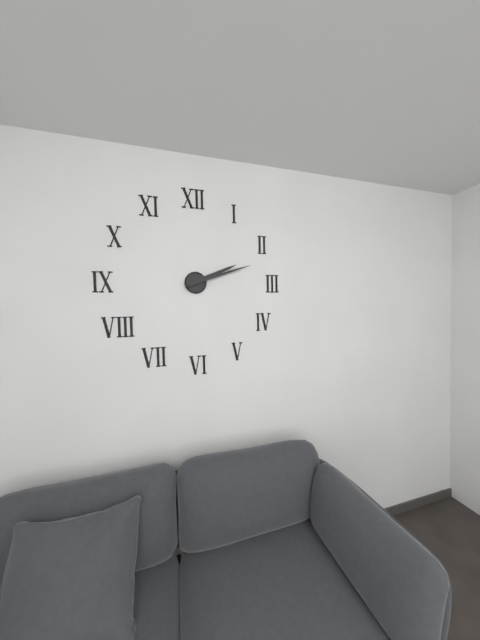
h=2 m=12
